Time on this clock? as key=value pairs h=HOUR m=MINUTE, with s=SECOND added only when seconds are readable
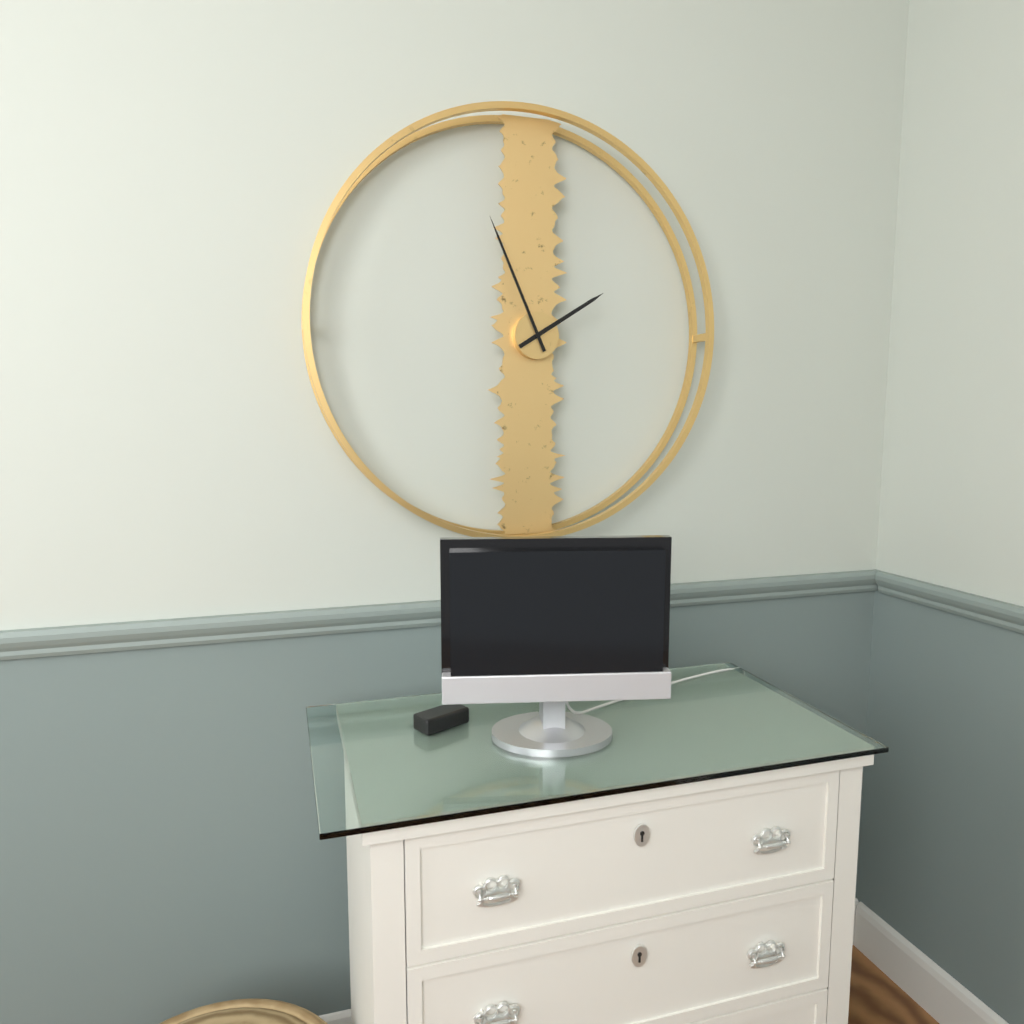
h=1 m=56
